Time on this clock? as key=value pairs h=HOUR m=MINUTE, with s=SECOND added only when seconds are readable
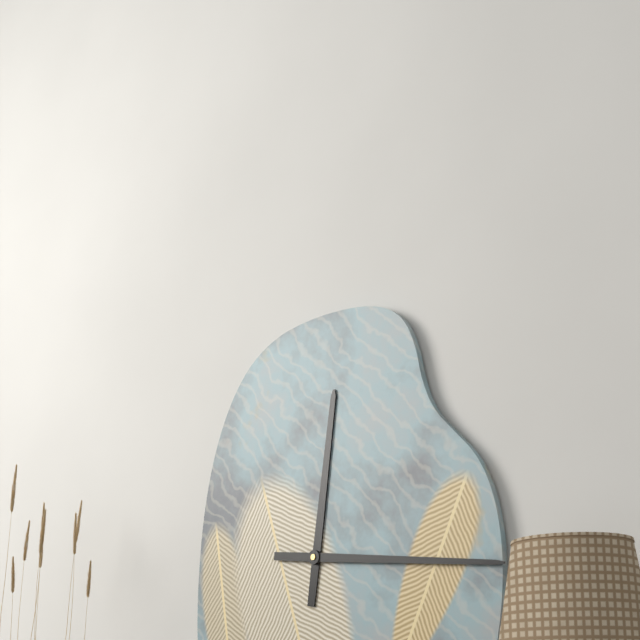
h=12 m=16
